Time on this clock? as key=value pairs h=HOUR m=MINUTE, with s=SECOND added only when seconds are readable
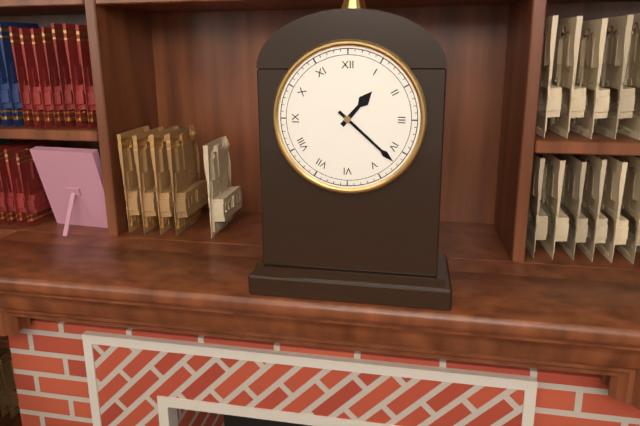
h=1 m=22
